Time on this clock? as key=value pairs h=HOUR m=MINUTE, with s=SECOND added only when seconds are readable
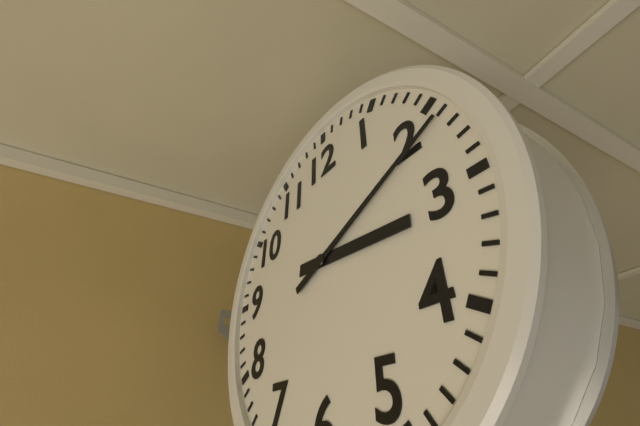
h=3 m=11
